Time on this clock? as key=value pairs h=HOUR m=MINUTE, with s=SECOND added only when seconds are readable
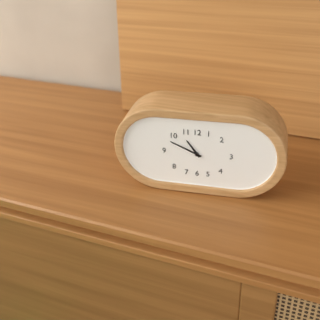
h=10 m=49
